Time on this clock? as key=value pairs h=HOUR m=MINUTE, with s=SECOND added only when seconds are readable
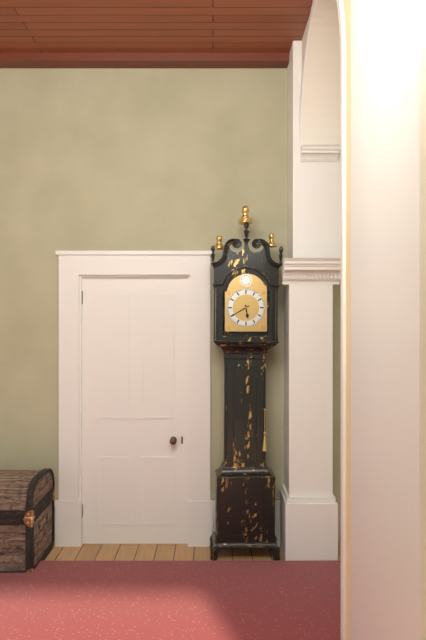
h=5 m=40
